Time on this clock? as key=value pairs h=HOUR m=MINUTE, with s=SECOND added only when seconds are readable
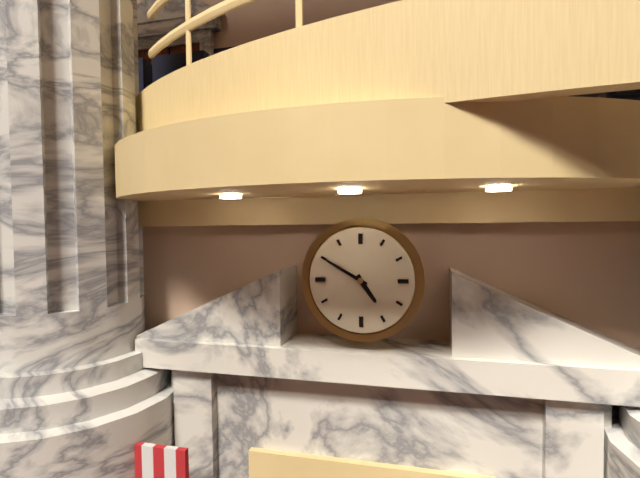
h=4 m=50
